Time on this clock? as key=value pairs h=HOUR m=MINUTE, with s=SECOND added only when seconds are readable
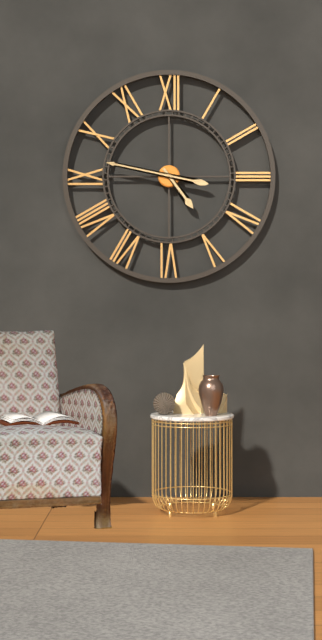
h=4 m=47
